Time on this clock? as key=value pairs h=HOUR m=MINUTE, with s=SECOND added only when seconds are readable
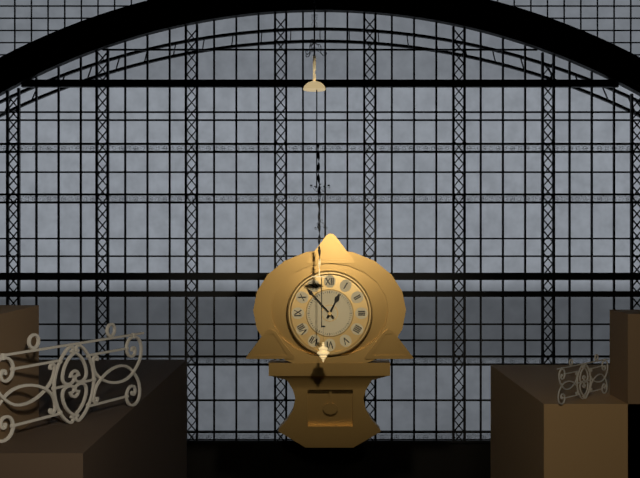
h=12 m=53
